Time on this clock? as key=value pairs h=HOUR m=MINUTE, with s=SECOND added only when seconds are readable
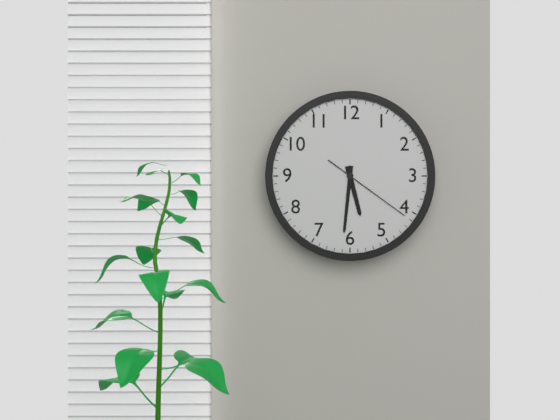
h=5 m=31 s=21
